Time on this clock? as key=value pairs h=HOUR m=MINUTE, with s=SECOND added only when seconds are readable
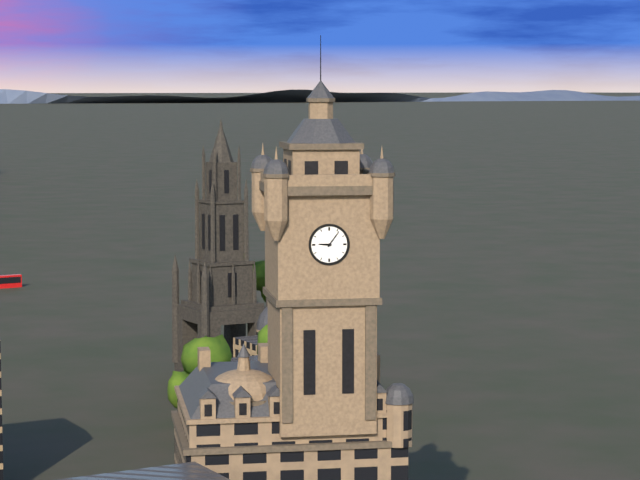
h=9 m=6
